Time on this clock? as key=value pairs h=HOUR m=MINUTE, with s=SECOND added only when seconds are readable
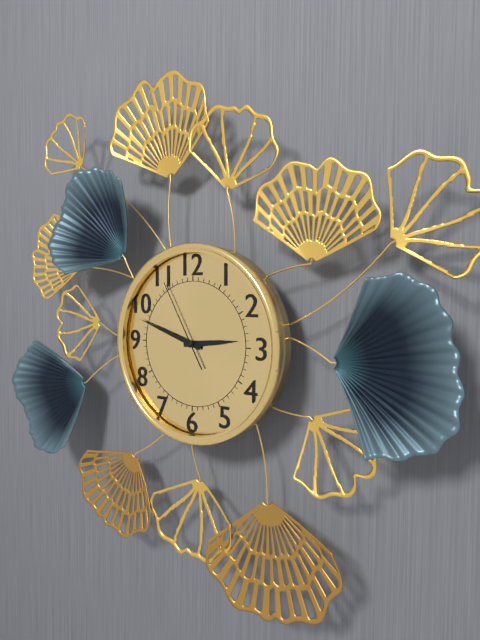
h=2 m=48 s=55
